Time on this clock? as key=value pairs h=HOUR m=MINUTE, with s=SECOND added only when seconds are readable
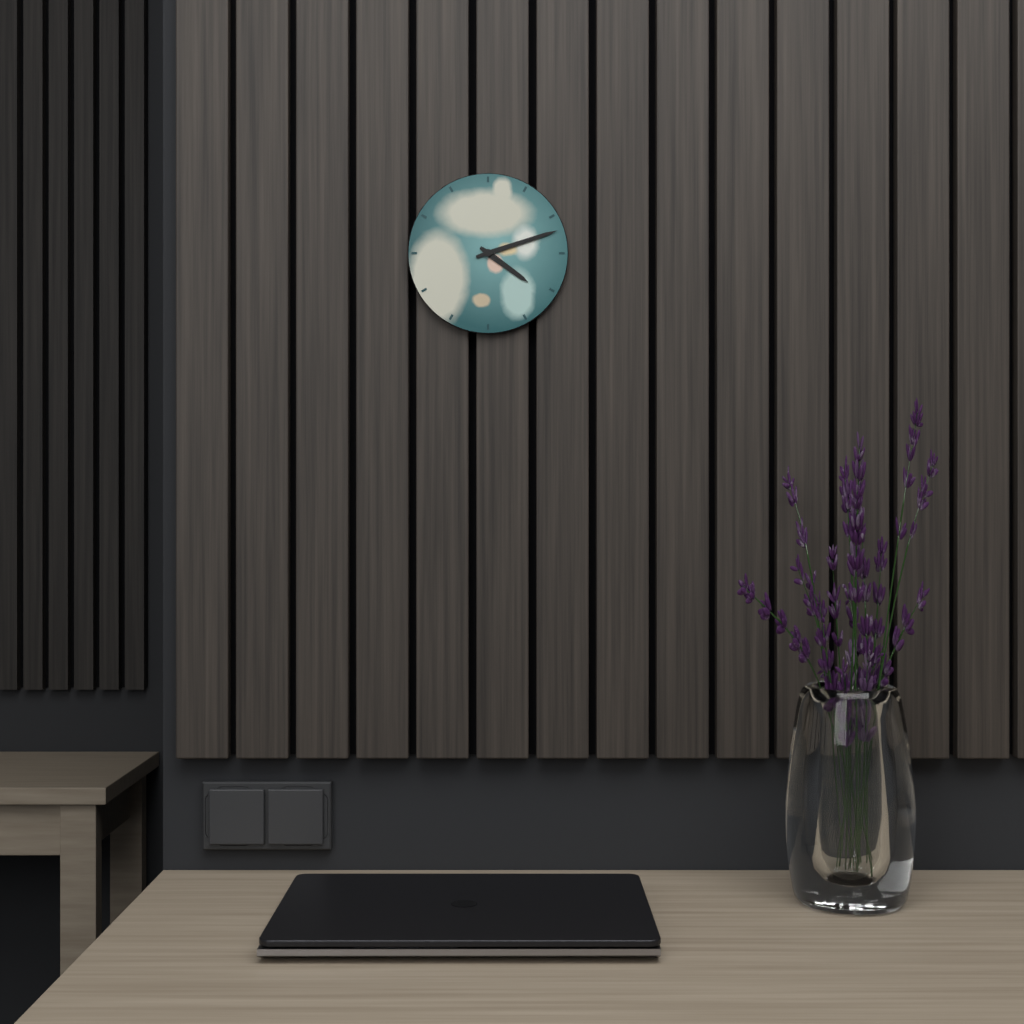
h=4 m=12
